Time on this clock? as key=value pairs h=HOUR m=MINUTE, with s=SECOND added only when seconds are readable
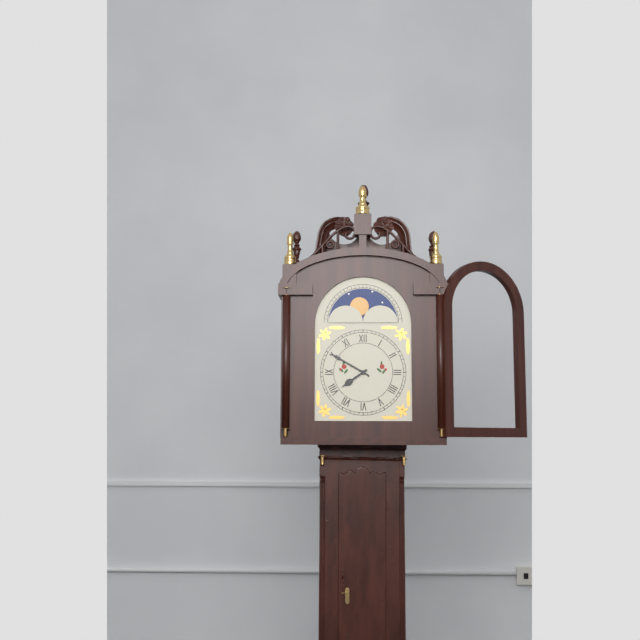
h=7 m=50
